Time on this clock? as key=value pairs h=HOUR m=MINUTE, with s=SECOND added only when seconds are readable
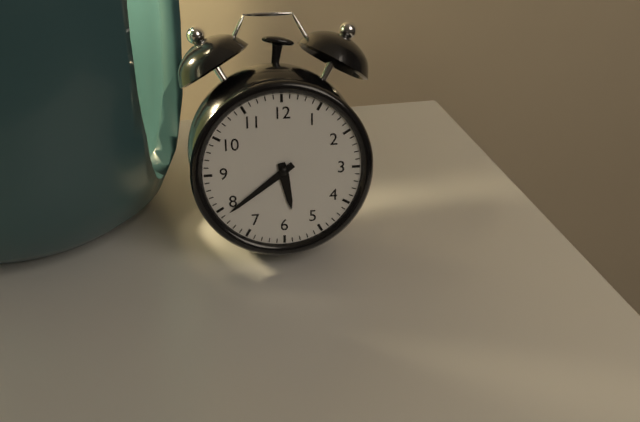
h=5 m=39
